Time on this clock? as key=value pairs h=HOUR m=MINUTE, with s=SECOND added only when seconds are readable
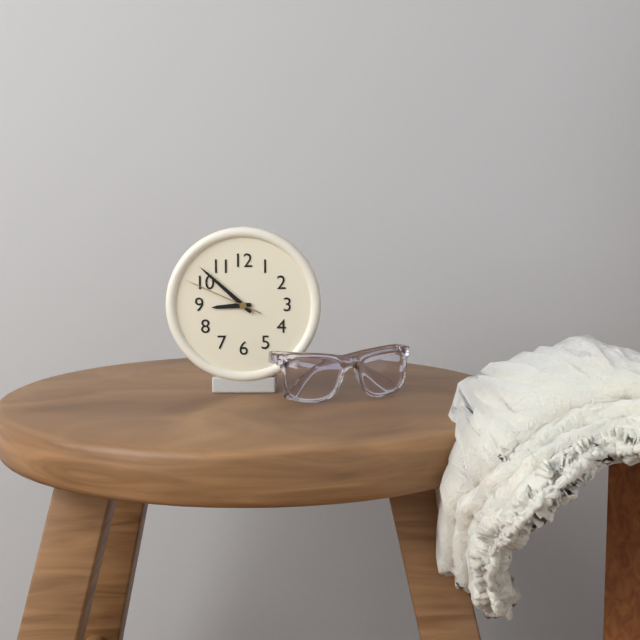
h=8 m=52 s=49
